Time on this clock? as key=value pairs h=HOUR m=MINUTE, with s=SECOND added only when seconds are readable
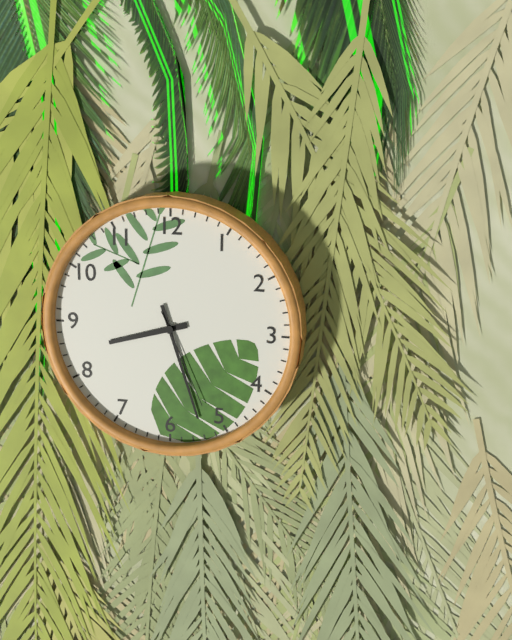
h=8 m=27 s=26
